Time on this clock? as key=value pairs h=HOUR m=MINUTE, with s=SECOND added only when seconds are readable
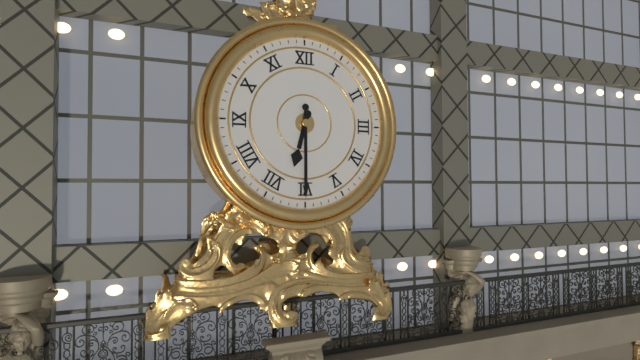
h=6 m=30
